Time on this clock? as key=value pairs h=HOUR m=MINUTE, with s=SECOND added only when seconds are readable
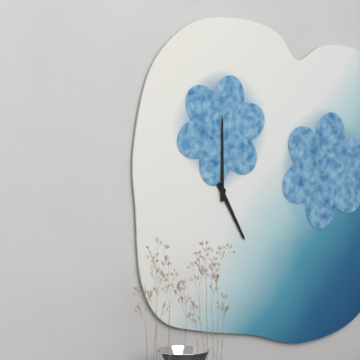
h=5 m=0
